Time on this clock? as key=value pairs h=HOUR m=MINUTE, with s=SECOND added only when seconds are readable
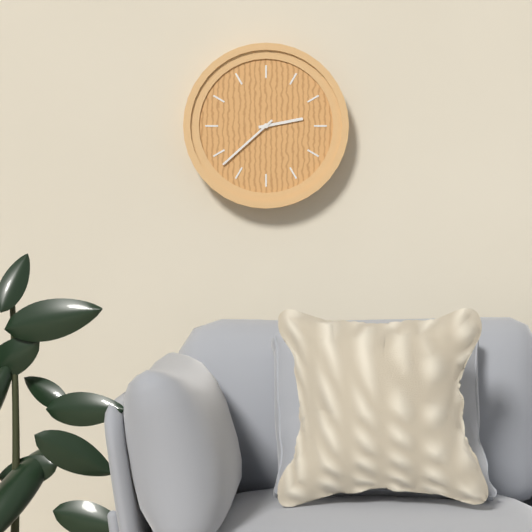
h=2 m=38
